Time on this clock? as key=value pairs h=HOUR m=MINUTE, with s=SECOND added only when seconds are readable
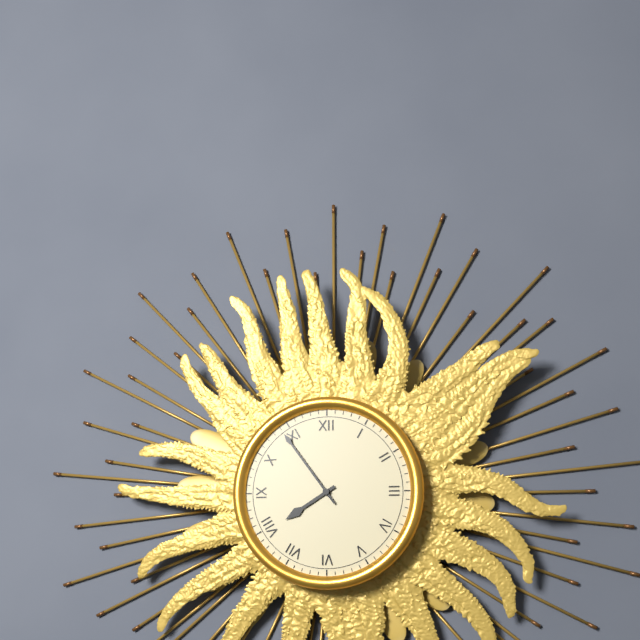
h=7 m=54
